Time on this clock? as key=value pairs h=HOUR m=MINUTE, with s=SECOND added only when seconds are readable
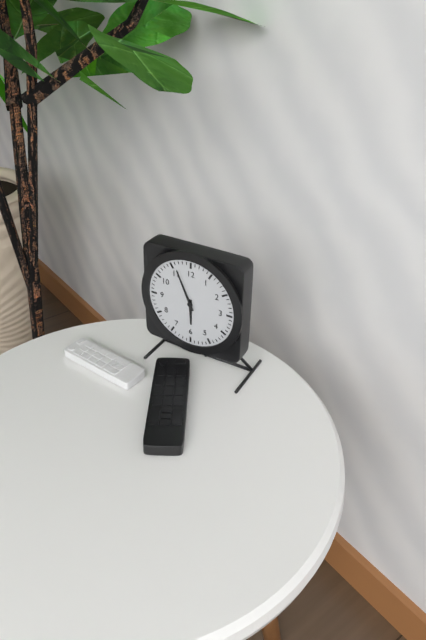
h=5 m=56
